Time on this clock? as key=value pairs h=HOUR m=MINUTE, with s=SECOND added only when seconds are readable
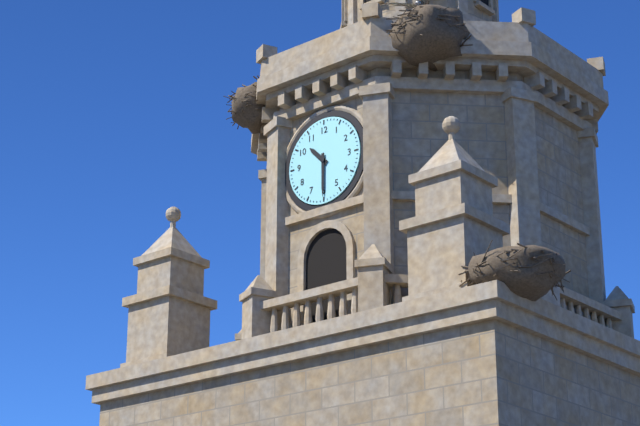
h=10 m=30
